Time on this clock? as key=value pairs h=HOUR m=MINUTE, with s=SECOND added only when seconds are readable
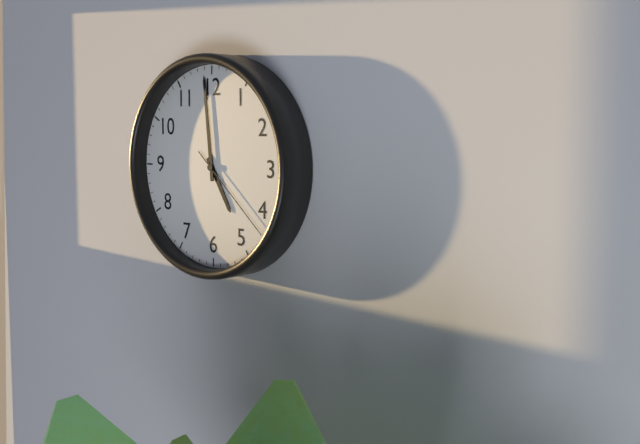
h=4 m=59 s=22
